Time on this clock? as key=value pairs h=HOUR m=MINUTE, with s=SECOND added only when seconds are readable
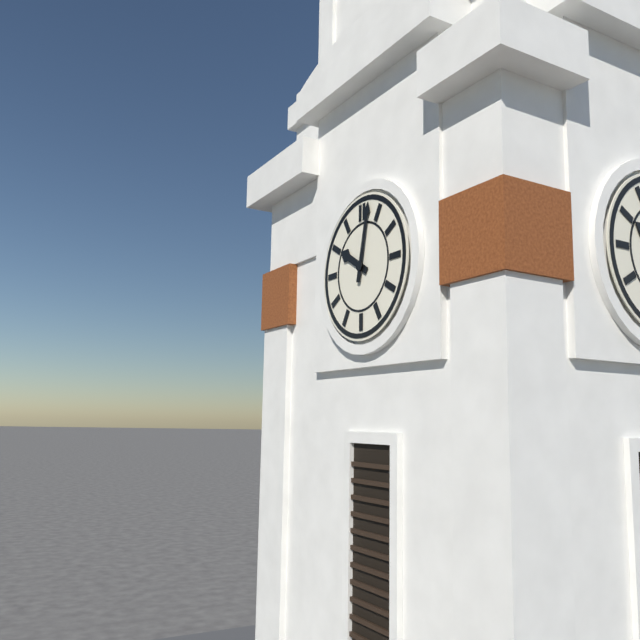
h=10 m=2
